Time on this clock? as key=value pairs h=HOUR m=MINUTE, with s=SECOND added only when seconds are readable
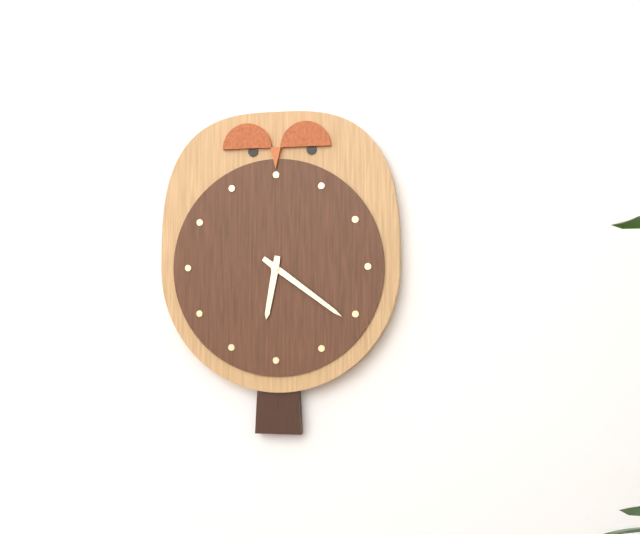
h=6 m=21
